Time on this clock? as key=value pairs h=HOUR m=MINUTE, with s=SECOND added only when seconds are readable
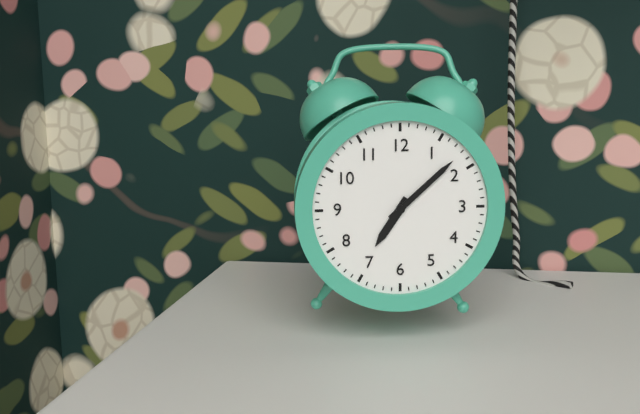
h=7 m=8
